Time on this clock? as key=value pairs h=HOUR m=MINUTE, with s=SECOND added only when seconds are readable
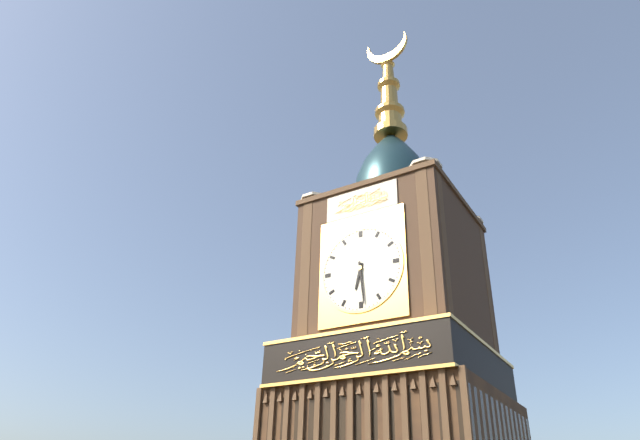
h=6 m=29
